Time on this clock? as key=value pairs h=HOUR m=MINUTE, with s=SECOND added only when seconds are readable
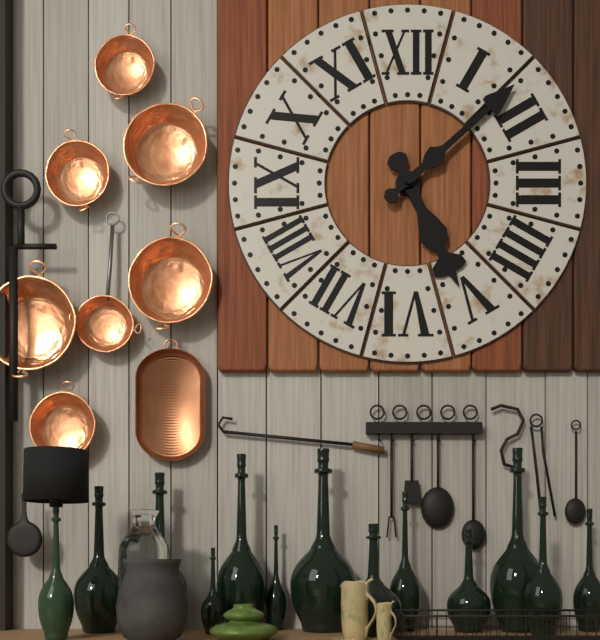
h=5 m=8
